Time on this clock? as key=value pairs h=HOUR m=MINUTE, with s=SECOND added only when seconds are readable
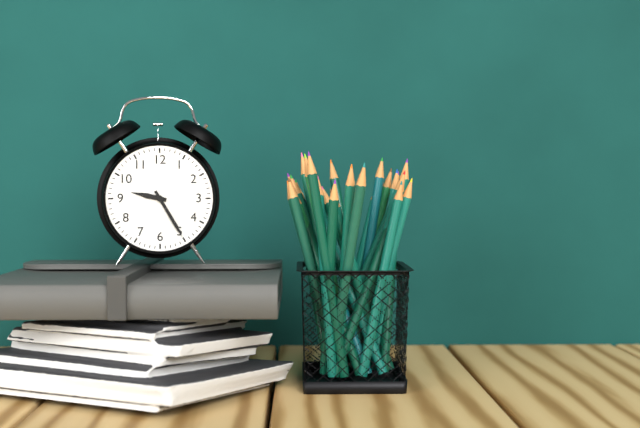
h=9 m=25
